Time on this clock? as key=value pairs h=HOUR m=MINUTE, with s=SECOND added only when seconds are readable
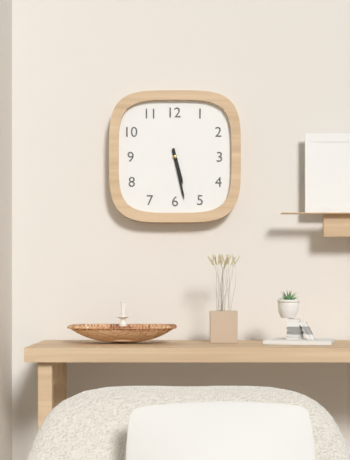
h=5 m=28
